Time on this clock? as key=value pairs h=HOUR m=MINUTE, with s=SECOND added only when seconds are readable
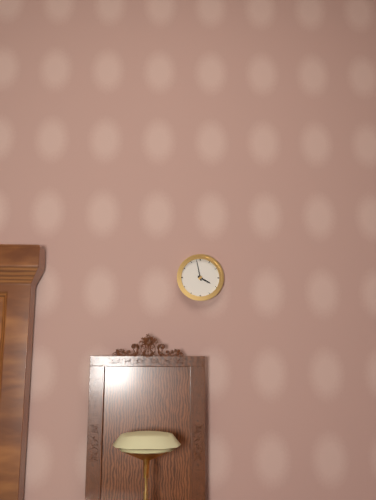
h=3 m=58
